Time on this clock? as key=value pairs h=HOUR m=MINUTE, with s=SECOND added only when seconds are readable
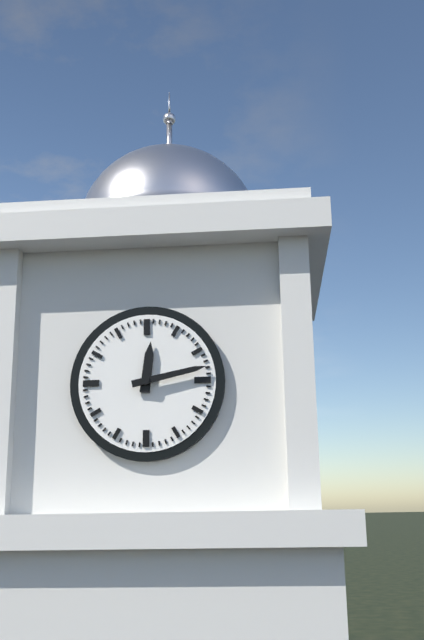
h=12 m=13
